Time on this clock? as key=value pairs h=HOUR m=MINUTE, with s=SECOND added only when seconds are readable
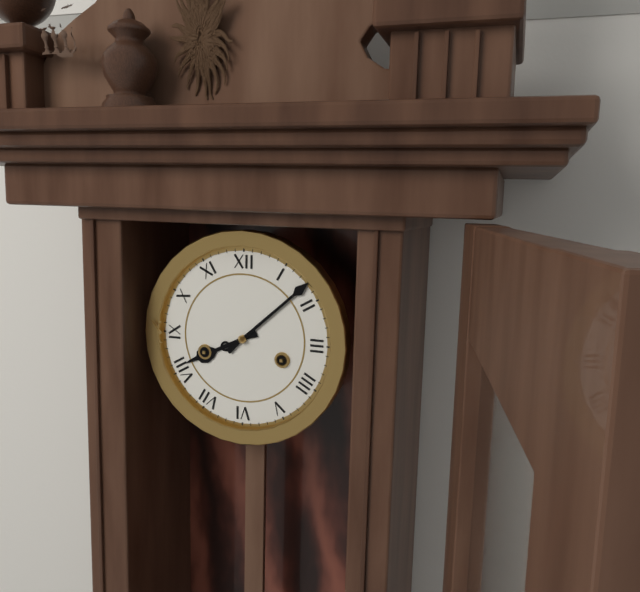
h=8 m=8
